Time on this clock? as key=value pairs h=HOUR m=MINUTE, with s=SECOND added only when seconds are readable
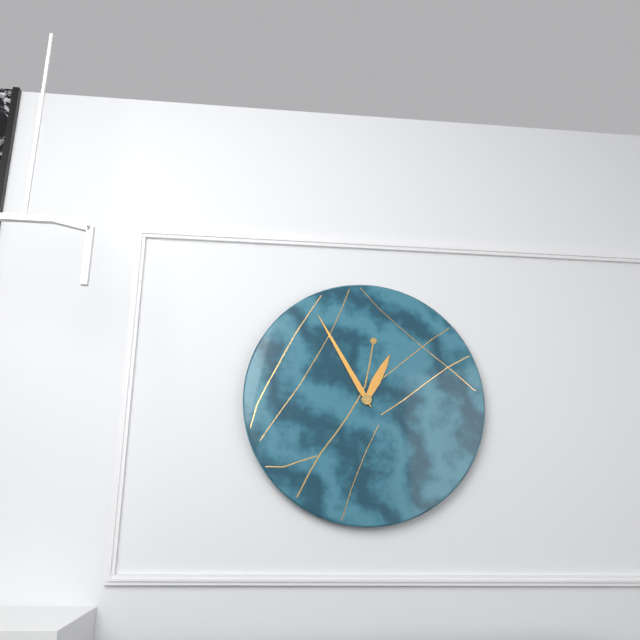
h=12 m=55
